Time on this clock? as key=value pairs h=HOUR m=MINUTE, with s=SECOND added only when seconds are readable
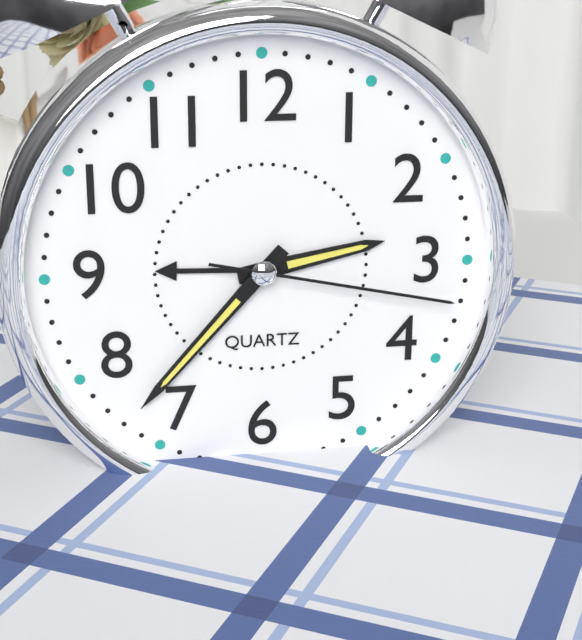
h=2 m=37 s=17
